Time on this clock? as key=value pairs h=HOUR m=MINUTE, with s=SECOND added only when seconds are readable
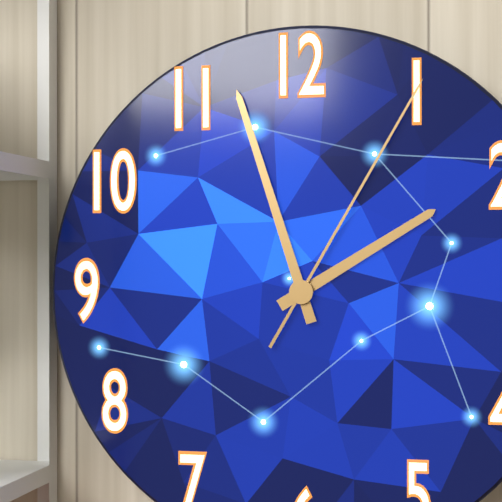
h=1 m=57 s=5
